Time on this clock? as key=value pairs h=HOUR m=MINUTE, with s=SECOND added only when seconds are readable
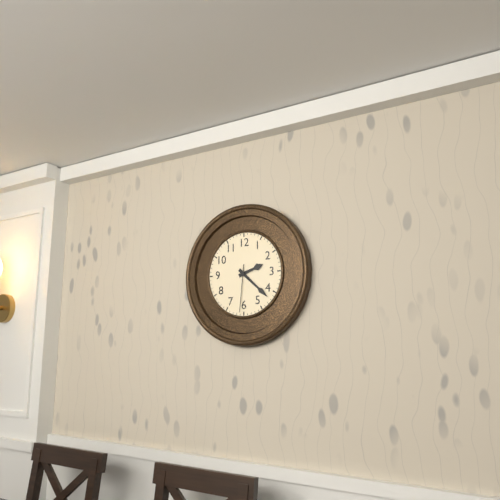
h=2 m=22
